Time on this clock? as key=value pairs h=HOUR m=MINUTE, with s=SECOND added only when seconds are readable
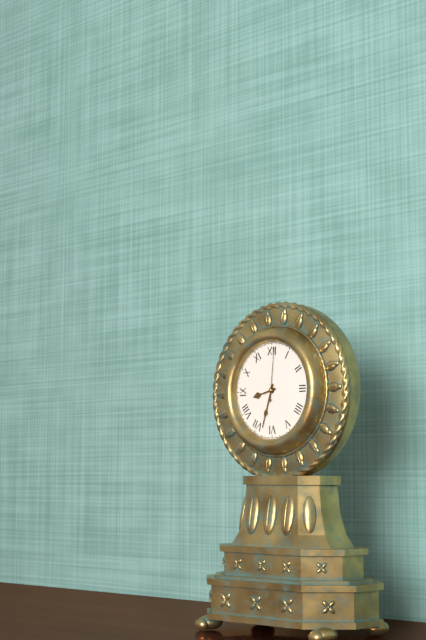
h=8 m=33 s=1
